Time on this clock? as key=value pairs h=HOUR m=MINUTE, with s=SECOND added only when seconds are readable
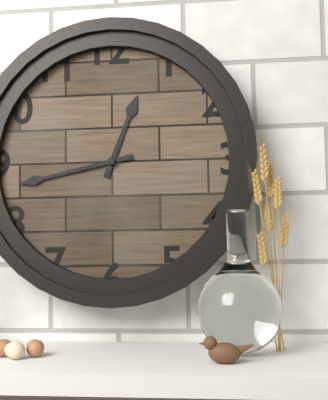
h=12 m=43
